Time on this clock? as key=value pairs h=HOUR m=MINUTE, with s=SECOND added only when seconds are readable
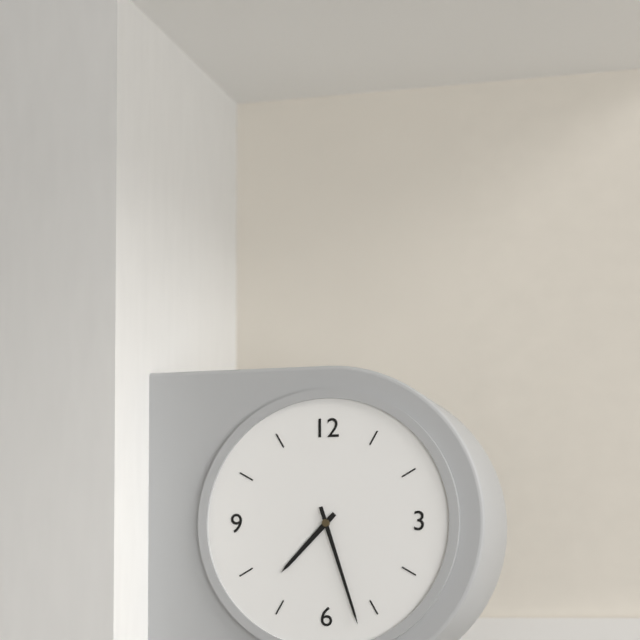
h=7 m=27
